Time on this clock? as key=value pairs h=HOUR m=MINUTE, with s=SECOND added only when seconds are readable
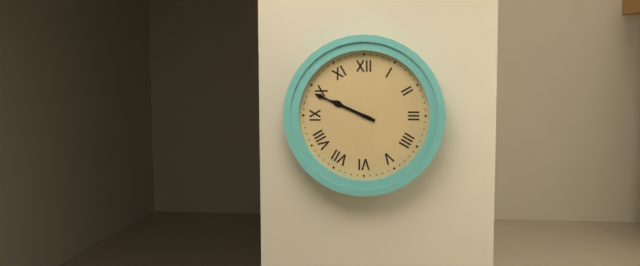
h=9 m=49
